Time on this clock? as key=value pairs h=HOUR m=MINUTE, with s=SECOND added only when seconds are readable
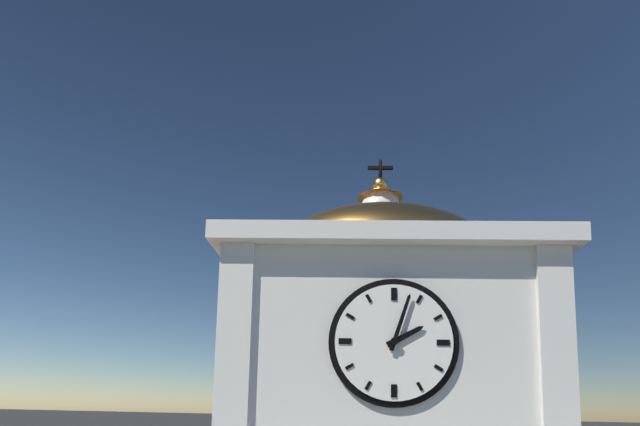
h=2 m=3
